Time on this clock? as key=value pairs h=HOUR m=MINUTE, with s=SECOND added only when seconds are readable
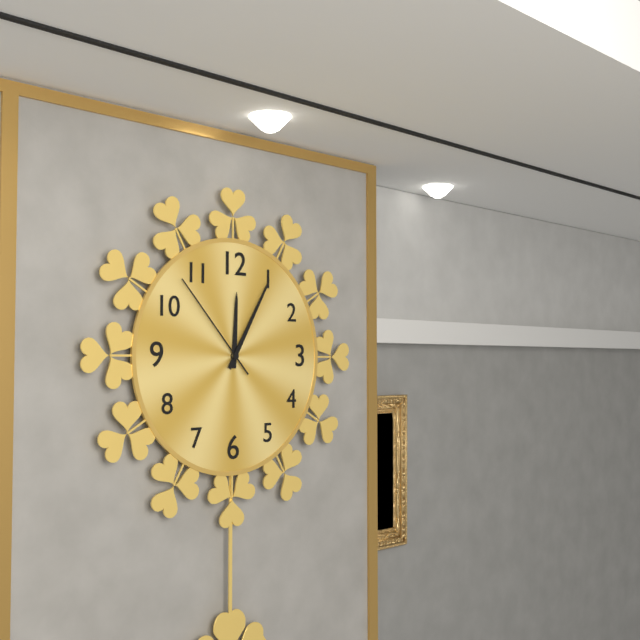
h=12 m=5 s=53
